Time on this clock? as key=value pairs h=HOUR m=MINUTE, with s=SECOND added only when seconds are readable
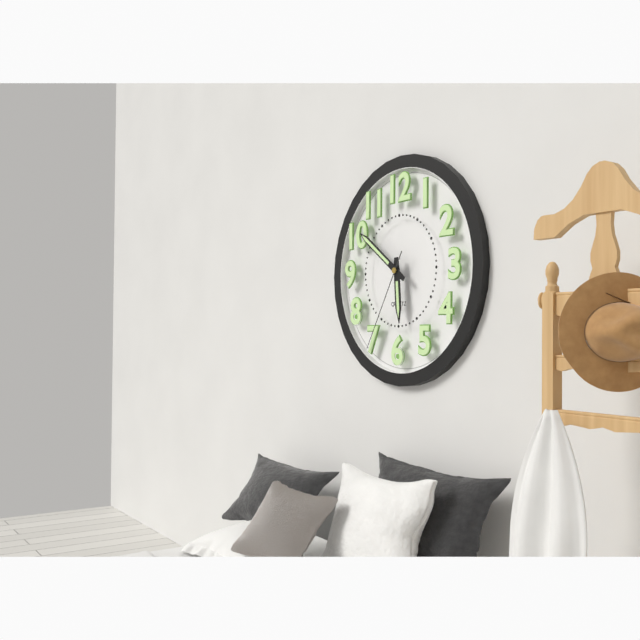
h=5 m=51 s=35
